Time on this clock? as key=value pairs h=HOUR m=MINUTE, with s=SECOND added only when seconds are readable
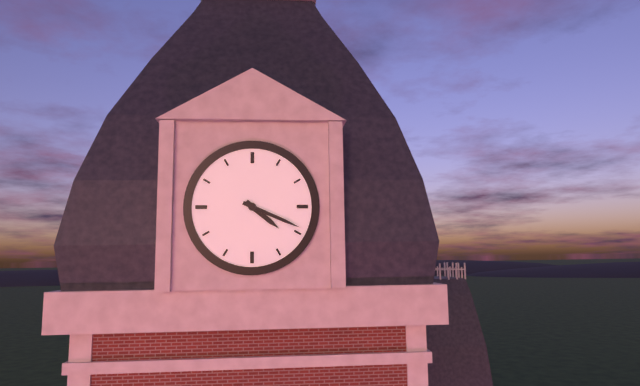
h=4 m=19
